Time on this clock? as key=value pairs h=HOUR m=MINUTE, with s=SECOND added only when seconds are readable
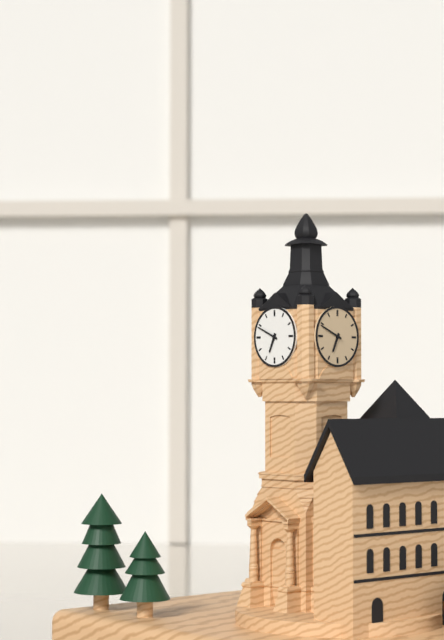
h=6 m=49
